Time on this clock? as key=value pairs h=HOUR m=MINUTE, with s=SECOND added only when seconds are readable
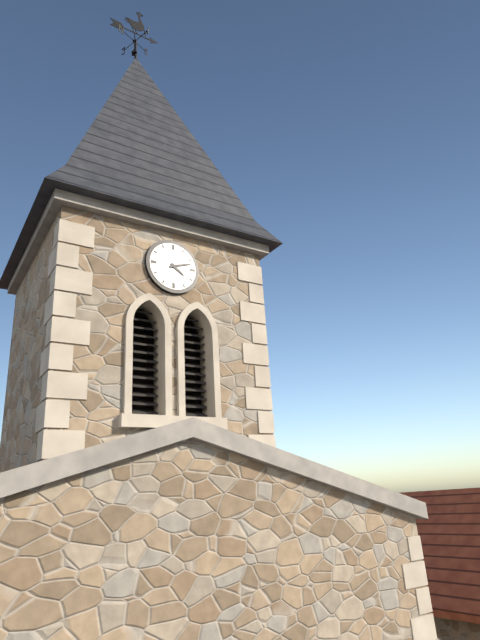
h=4 m=12
